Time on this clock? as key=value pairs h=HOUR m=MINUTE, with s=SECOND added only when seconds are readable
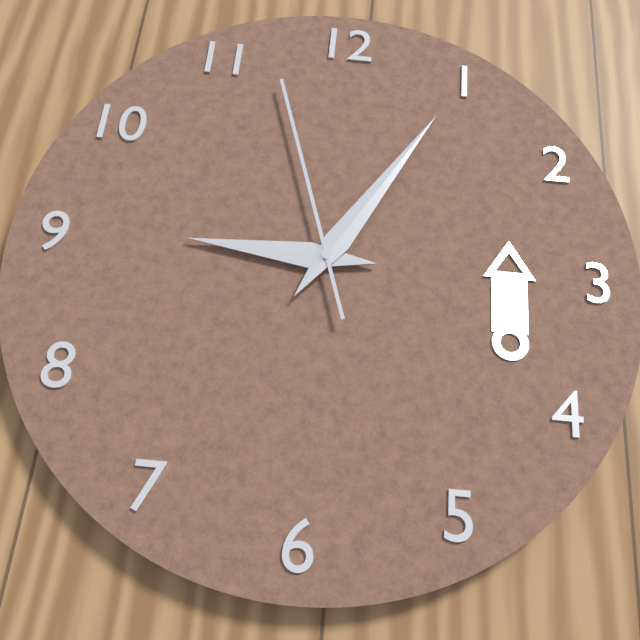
h=9 m=5 s=57
